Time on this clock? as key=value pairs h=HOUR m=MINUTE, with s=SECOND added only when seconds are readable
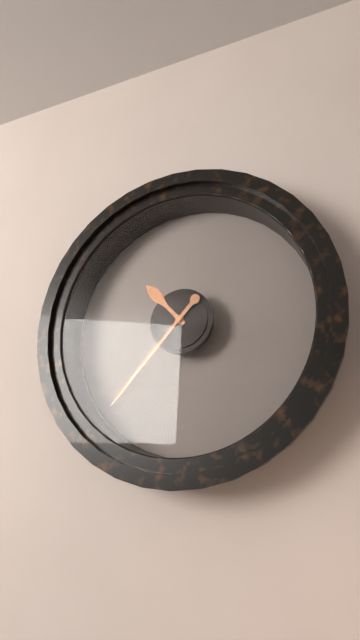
h=10 m=37
